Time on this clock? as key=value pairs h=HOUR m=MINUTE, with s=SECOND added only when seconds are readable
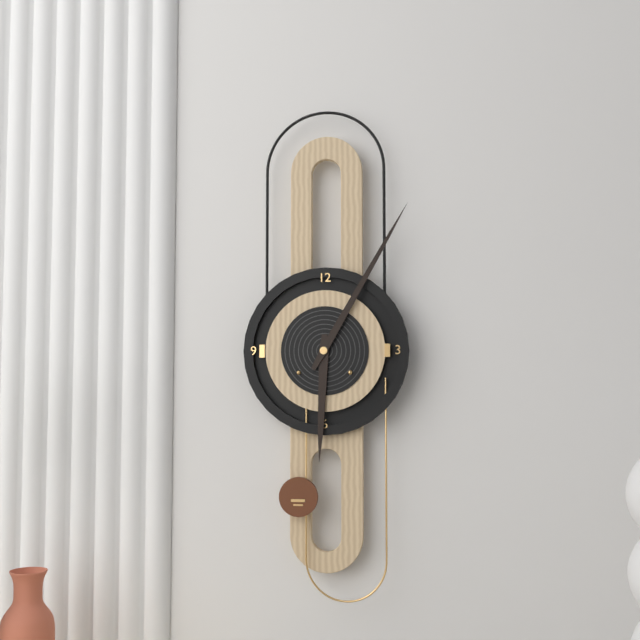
h=6 m=5
